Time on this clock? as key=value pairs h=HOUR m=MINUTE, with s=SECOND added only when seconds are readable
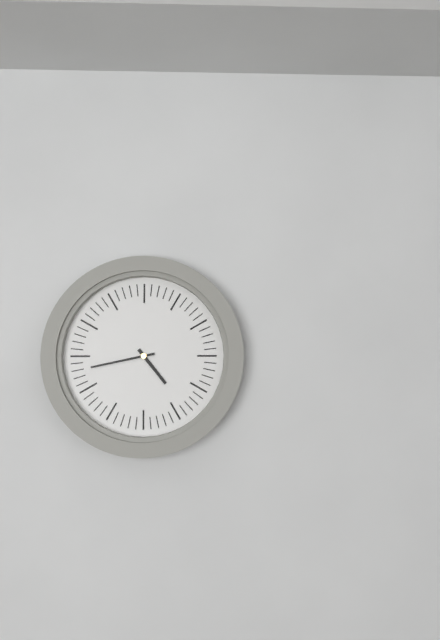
h=4 m=43
